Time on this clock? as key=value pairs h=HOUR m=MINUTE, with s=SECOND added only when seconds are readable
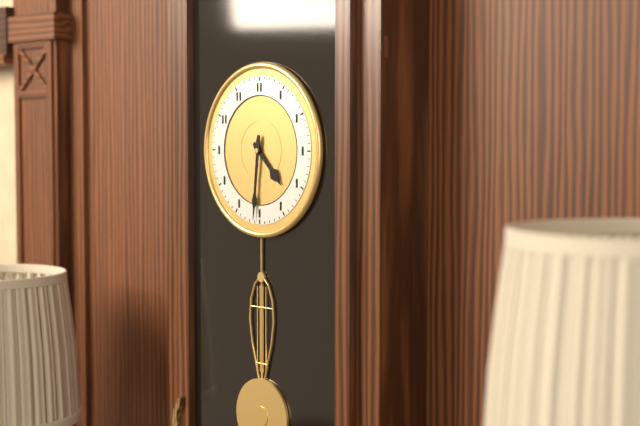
h=4 m=31
